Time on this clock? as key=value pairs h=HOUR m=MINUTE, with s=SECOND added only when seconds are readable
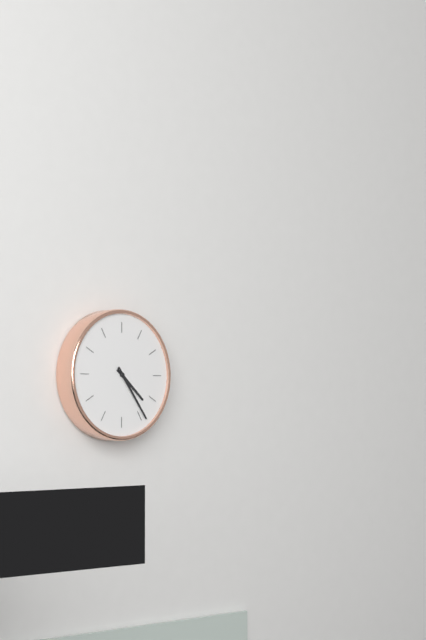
h=4 m=24
